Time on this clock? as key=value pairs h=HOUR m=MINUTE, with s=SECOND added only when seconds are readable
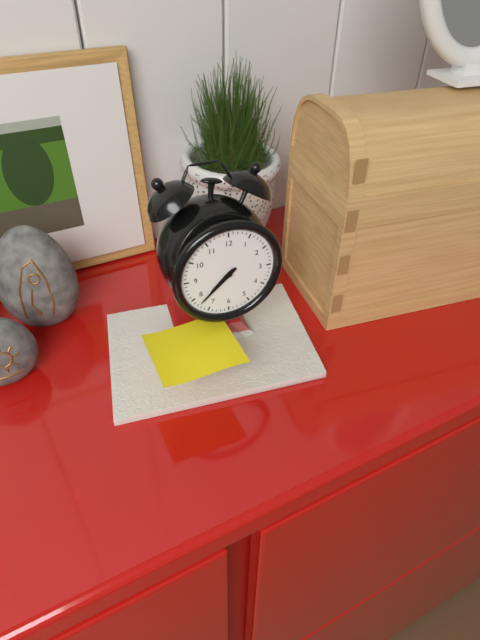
h=7 m=38
